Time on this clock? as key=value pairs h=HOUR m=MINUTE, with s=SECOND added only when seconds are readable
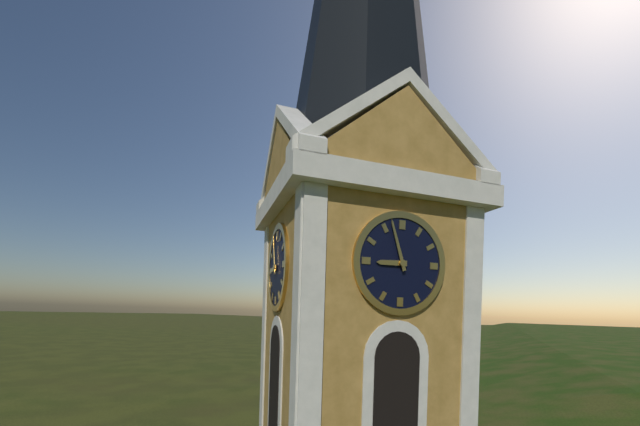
h=8 m=57
